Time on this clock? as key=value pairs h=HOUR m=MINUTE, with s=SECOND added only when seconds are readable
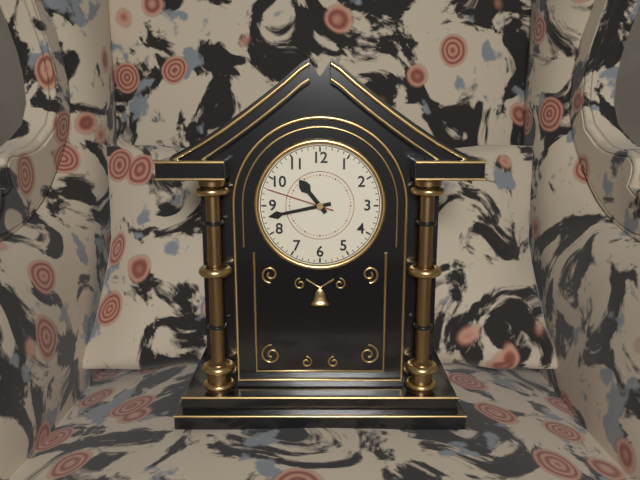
h=10 m=43 s=48
